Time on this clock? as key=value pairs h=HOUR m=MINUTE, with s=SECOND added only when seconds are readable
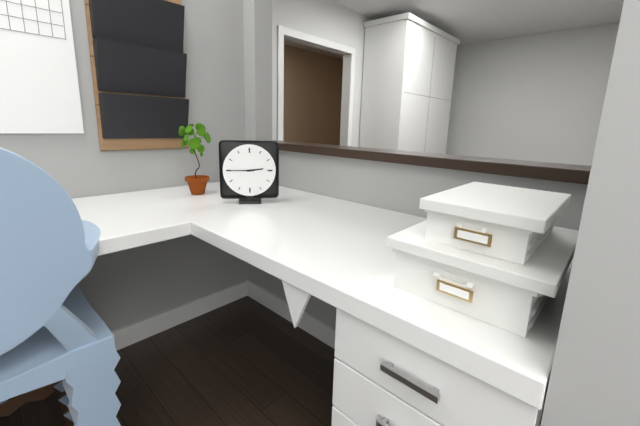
h=2 m=45
